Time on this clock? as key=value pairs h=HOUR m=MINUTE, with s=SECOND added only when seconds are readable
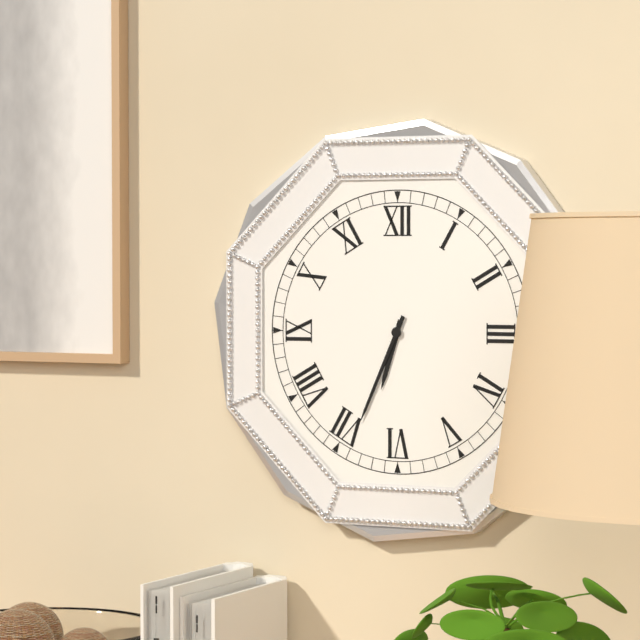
h=6 m=34
